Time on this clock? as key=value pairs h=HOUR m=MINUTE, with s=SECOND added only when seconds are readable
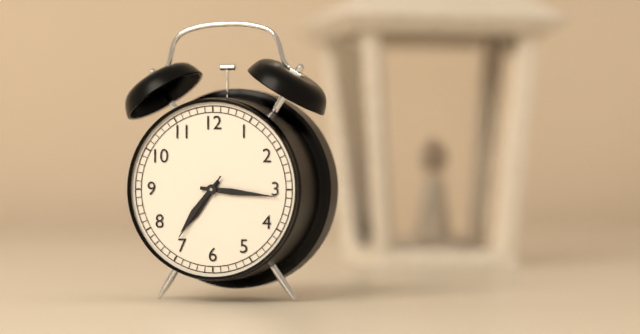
h=7 m=16 s=36
